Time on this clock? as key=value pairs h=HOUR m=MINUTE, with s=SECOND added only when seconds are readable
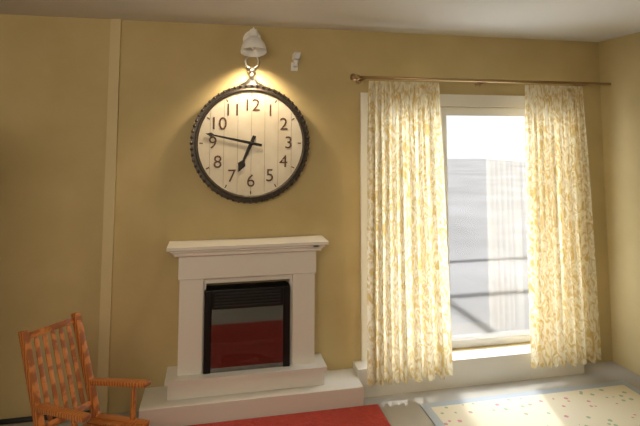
h=6 m=47
